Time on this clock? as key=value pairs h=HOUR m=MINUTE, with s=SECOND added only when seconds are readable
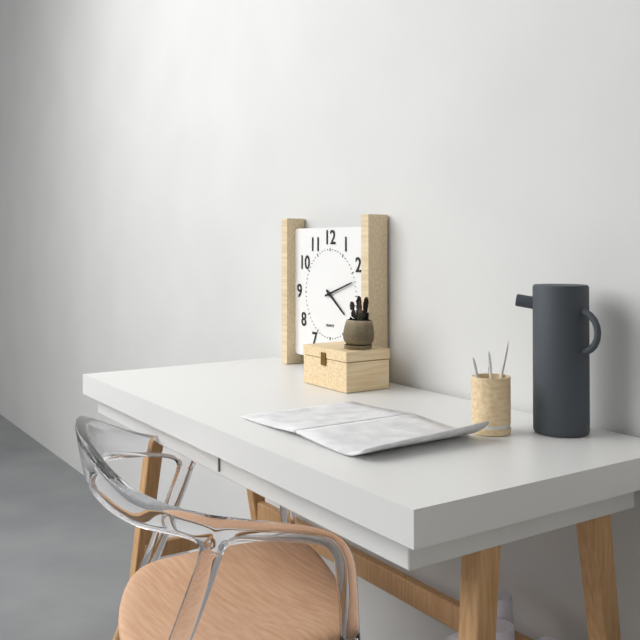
h=4 m=12
